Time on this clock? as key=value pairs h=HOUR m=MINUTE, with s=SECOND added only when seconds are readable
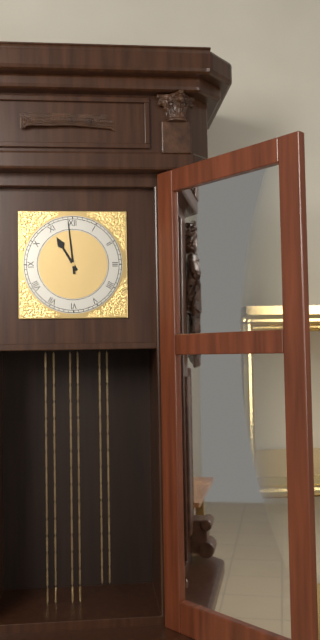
h=10 m=59
